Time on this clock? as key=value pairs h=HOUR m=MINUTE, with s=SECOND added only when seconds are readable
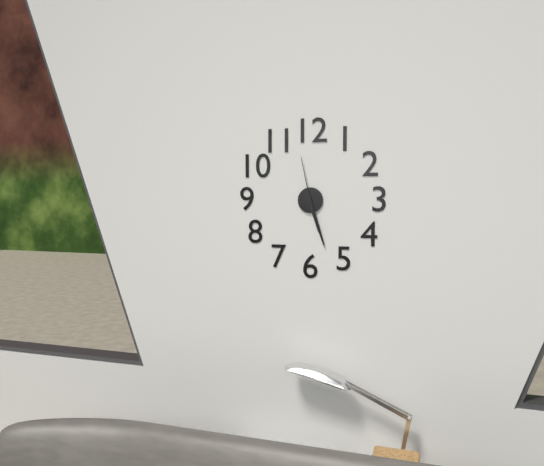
h=5 m=27 s=58
